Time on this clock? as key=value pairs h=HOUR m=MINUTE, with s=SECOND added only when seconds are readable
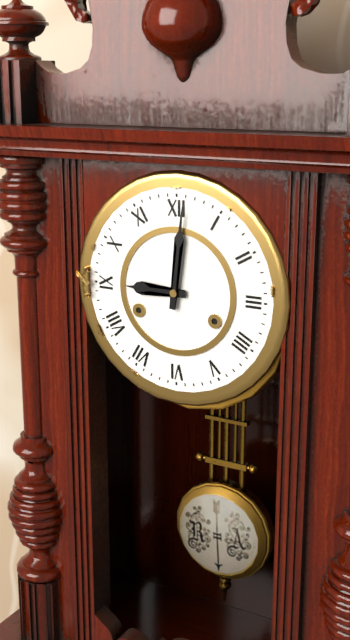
h=9 m=1
